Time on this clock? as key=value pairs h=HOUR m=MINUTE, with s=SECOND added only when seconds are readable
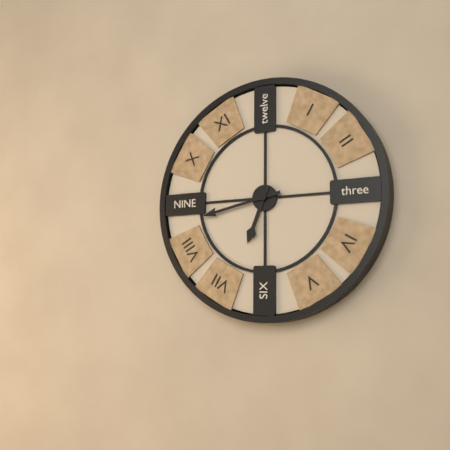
h=6 m=43
